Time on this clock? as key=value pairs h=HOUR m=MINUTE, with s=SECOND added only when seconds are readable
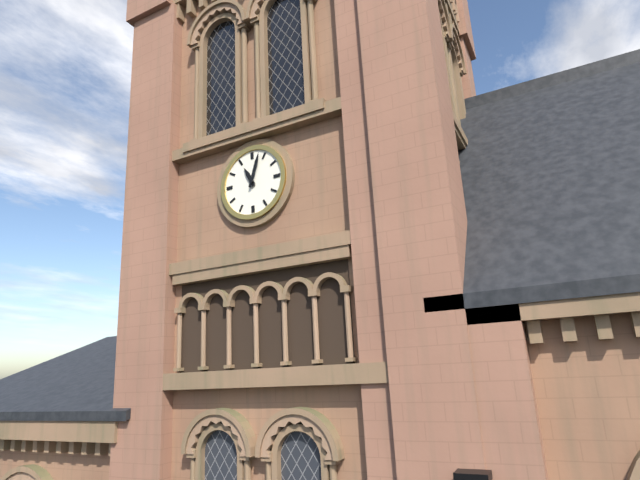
h=11 m=3
